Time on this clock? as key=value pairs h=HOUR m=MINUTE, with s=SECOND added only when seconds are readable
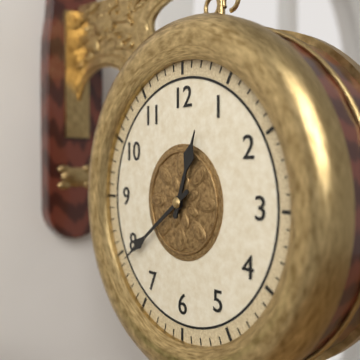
h=12 m=39
